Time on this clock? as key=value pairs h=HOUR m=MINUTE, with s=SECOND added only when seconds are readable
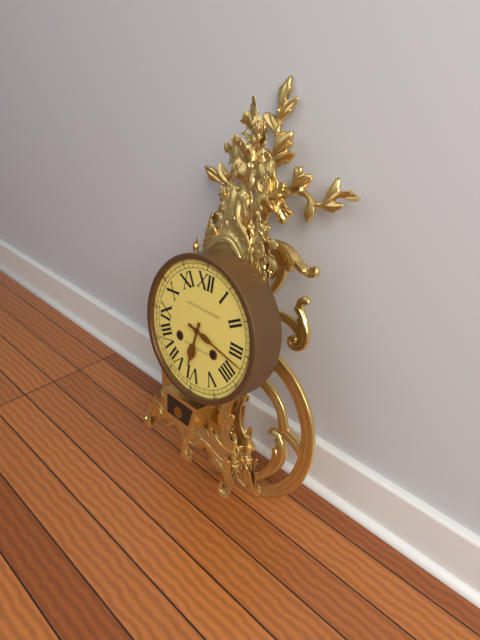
h=6 m=17
